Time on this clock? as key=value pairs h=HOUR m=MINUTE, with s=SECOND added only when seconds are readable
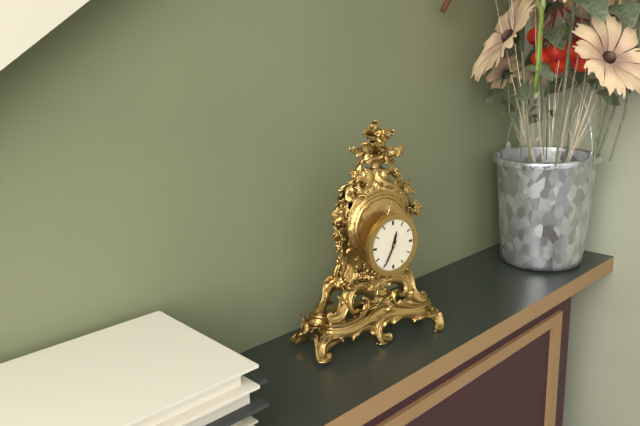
h=12 m=35
